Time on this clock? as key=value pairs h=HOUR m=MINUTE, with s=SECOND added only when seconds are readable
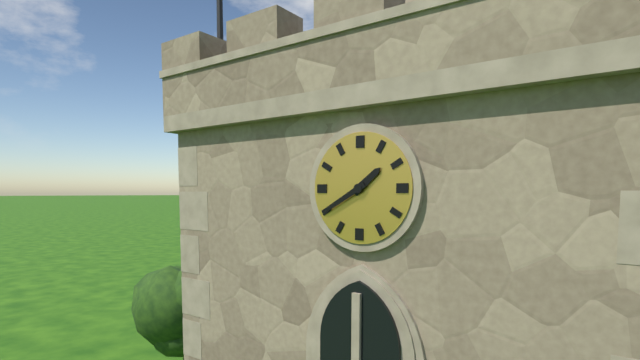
h=1 m=40
